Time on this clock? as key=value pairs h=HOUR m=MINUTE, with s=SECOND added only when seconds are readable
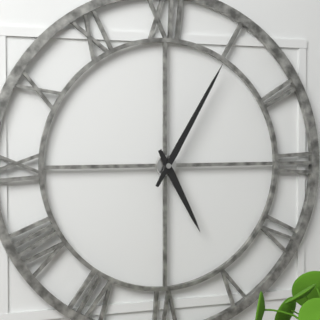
h=5 m=5
